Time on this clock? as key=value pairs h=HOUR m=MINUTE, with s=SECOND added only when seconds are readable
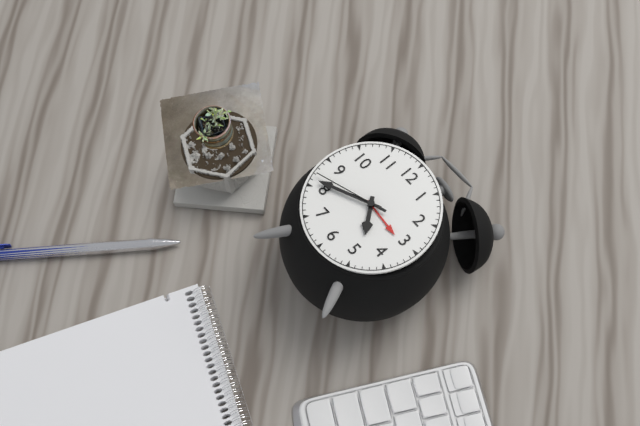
h=4 m=41 s=42
